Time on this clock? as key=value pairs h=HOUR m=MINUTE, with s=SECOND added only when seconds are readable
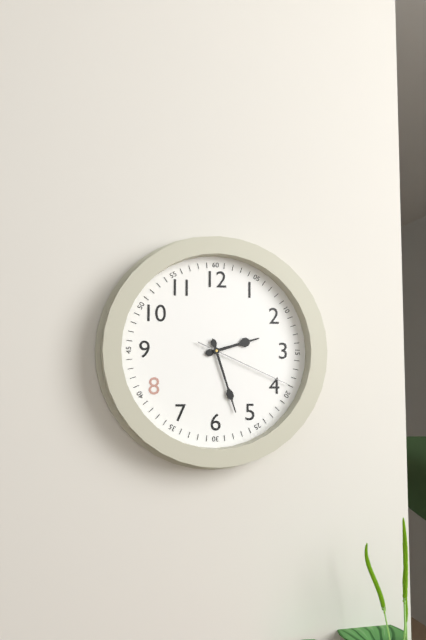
h=2 m=27 s=19
